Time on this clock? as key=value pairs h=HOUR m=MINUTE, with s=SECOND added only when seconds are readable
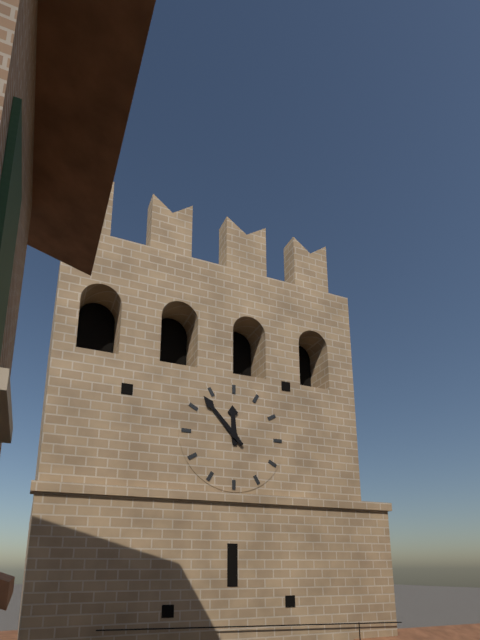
h=11 m=53
